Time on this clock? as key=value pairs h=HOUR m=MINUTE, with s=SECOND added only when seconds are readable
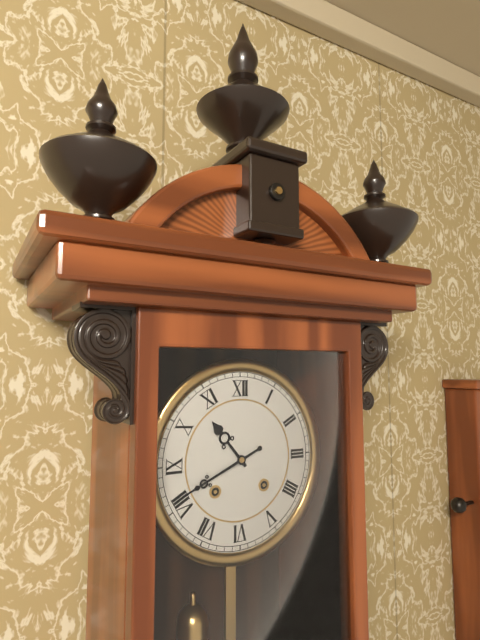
h=10 m=41
